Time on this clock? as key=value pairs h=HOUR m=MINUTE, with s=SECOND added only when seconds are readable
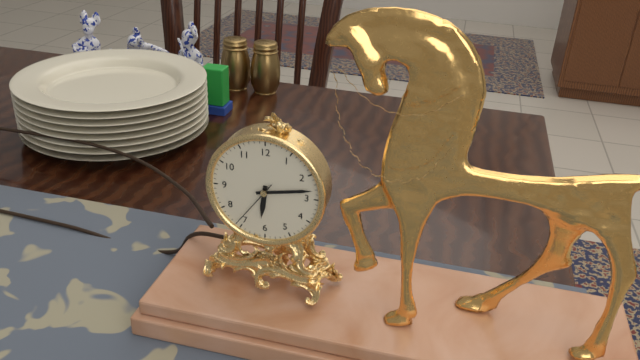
h=6 m=13 s=36
